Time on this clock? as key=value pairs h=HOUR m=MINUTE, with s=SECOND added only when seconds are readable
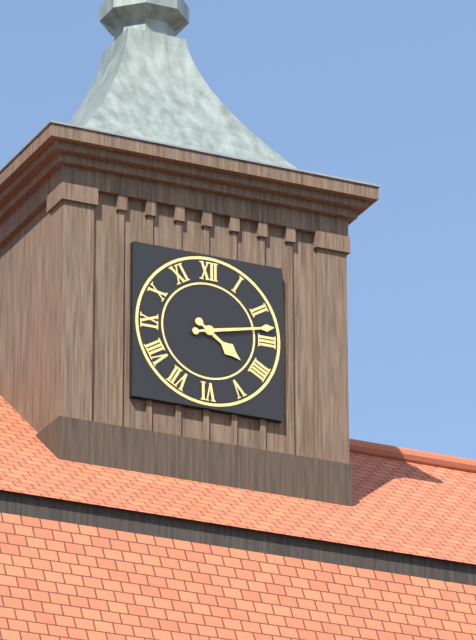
h=4 m=13
